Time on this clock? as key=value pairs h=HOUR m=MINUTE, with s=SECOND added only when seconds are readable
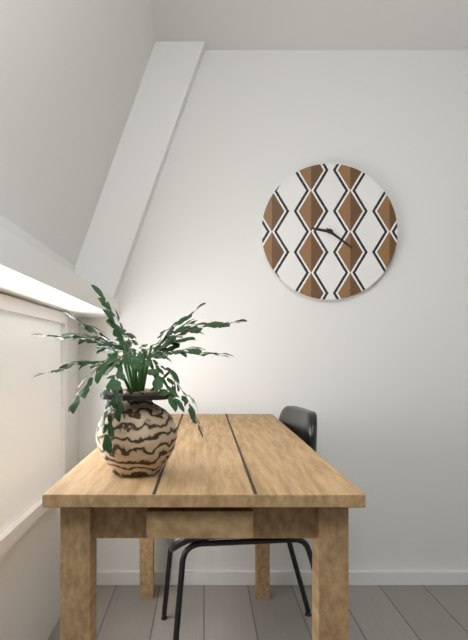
h=9 m=21
